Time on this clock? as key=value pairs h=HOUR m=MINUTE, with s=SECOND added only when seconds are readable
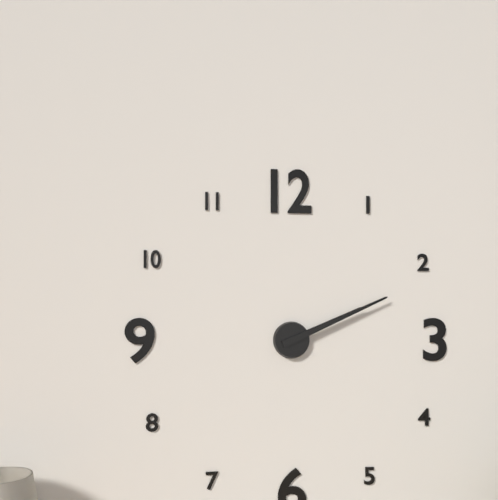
h=2 m=11
